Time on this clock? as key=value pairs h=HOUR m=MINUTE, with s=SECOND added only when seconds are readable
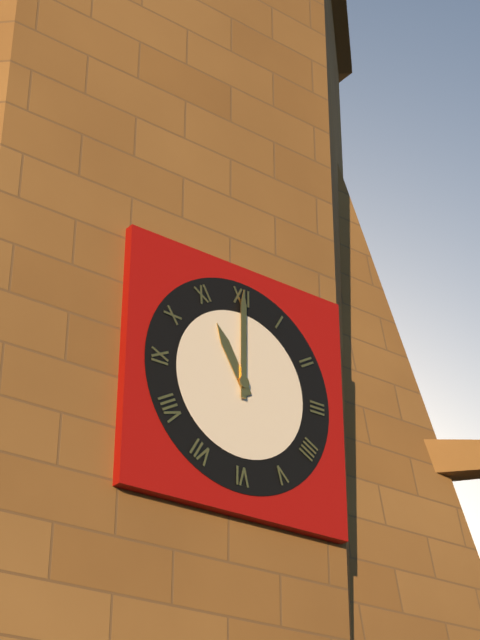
h=11 m=0
